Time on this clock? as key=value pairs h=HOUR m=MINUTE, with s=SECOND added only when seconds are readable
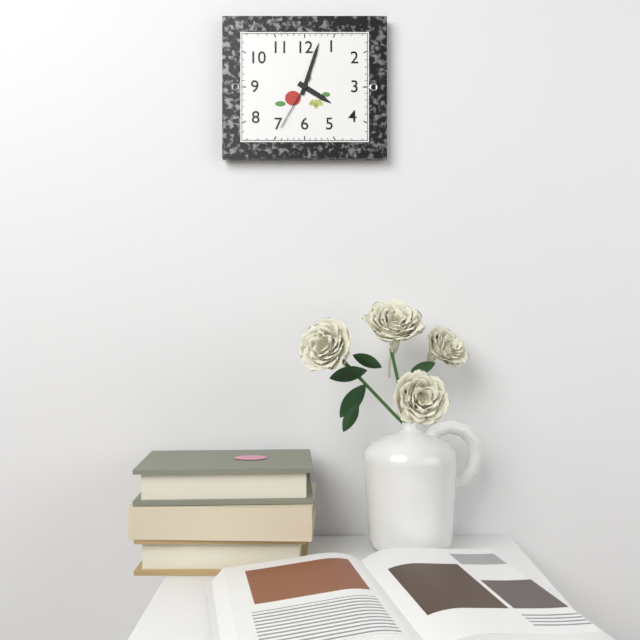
h=4 m=3 s=35
